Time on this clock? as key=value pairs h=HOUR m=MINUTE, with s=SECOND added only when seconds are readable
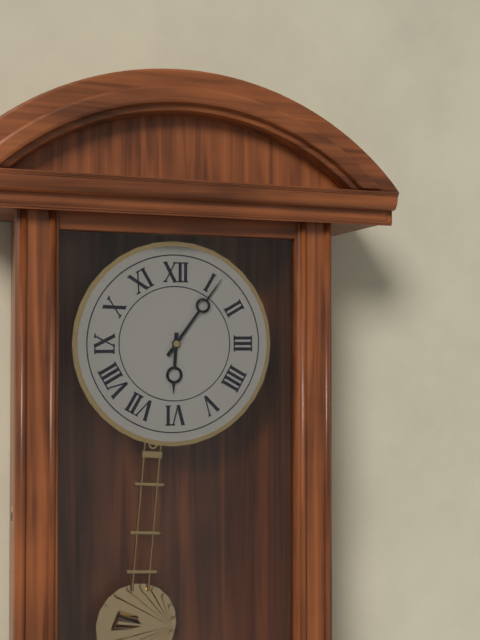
h=6 m=6
